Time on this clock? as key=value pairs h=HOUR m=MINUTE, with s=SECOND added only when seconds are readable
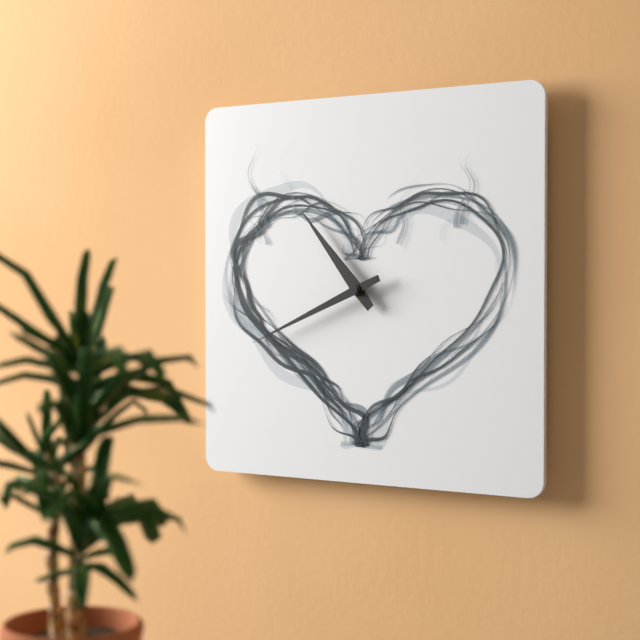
h=10 m=41
